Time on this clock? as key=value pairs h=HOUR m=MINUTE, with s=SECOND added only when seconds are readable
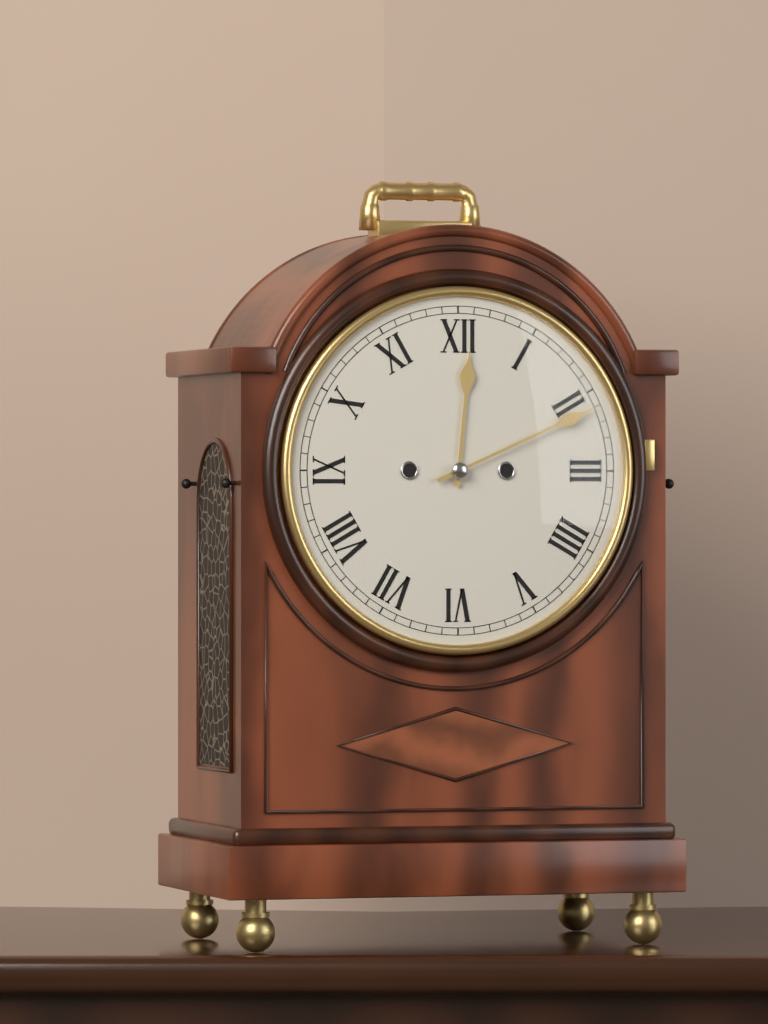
h=12 m=11
